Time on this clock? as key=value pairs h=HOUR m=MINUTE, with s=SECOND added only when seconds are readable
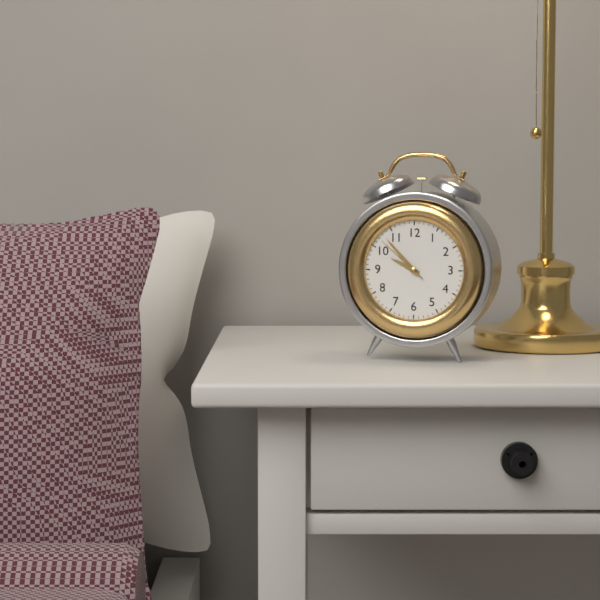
h=9 m=53 s=52
